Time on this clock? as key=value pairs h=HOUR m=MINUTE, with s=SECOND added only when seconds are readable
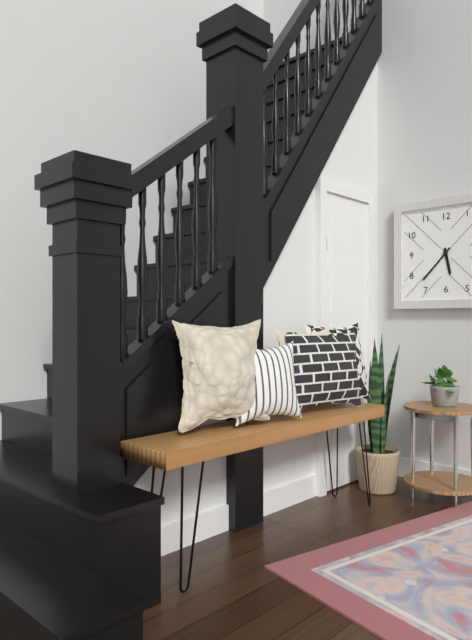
h=5 m=37
